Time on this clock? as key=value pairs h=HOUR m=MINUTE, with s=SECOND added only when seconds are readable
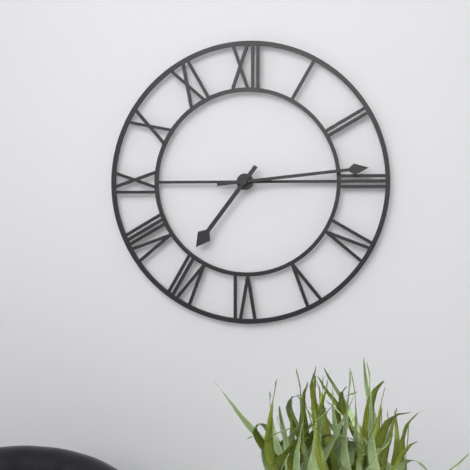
h=7 m=14
